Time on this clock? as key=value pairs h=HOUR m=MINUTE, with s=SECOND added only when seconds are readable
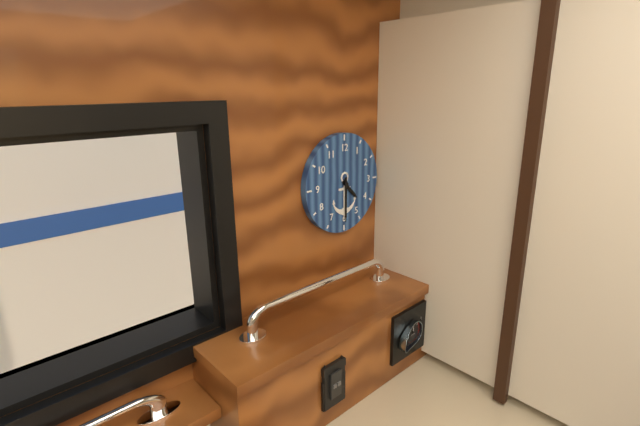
h=4 m=30
